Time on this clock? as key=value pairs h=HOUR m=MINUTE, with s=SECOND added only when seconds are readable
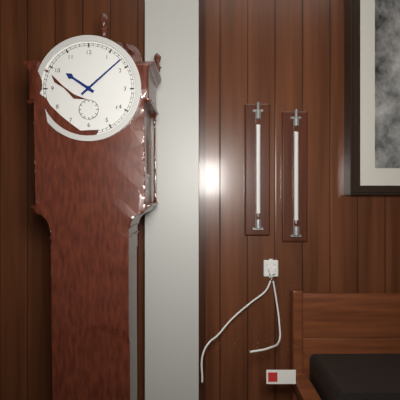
h=10 m=8
